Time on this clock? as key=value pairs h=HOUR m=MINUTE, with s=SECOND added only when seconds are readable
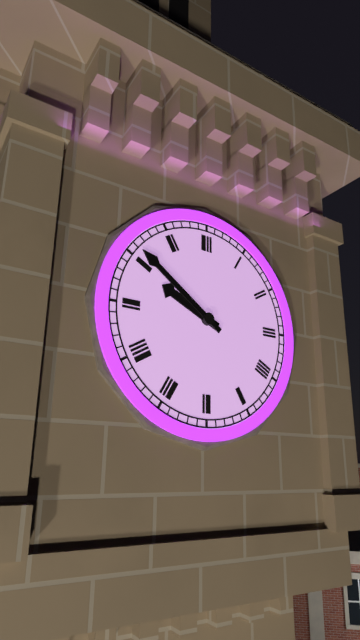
h=9 m=51
